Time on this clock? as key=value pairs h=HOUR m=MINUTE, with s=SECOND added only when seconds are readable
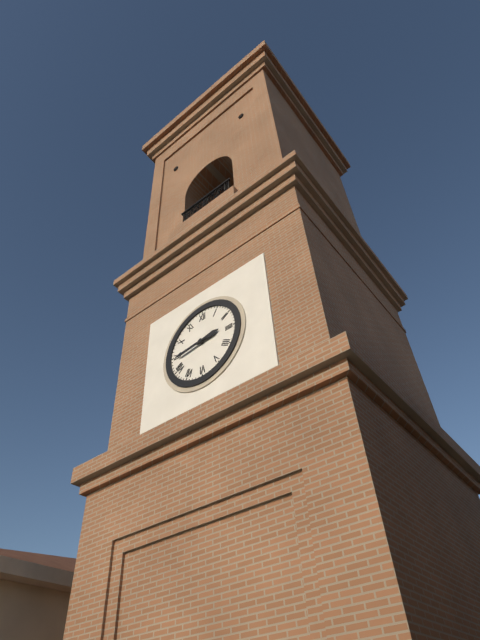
h=2 m=44
